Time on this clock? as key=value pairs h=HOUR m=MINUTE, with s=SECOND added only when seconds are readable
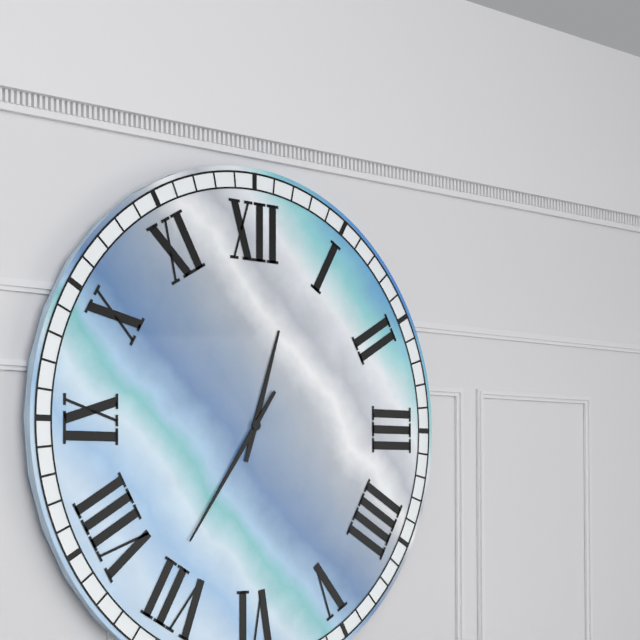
h=12 m=36
